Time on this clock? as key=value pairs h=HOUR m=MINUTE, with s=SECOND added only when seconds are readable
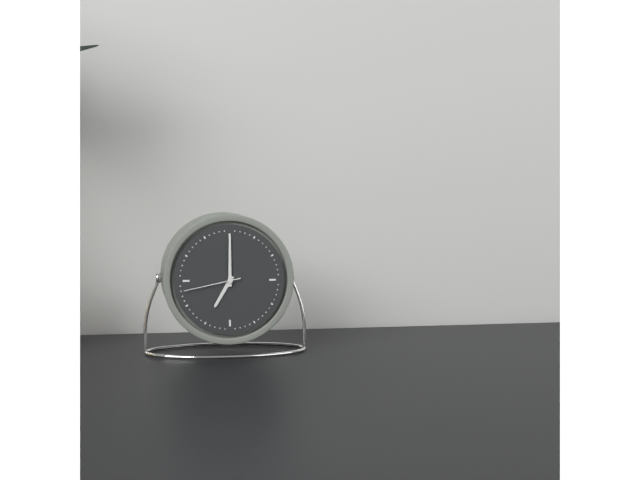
h=7 m=0 s=43
